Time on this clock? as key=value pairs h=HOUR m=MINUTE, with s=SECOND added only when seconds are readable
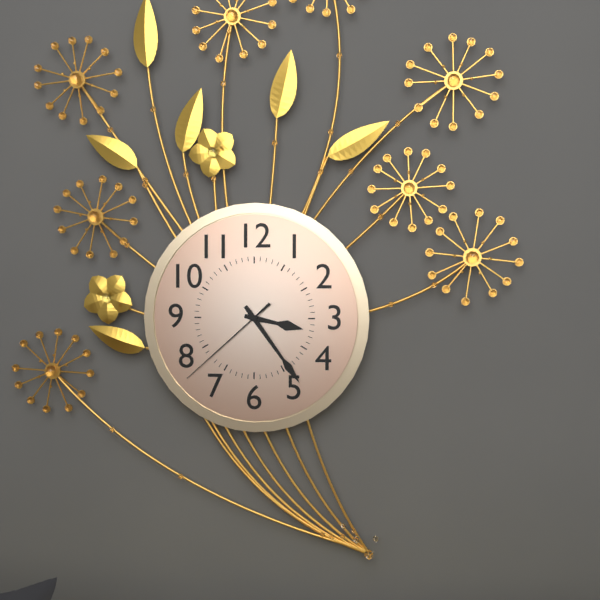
h=3 m=24 s=38
